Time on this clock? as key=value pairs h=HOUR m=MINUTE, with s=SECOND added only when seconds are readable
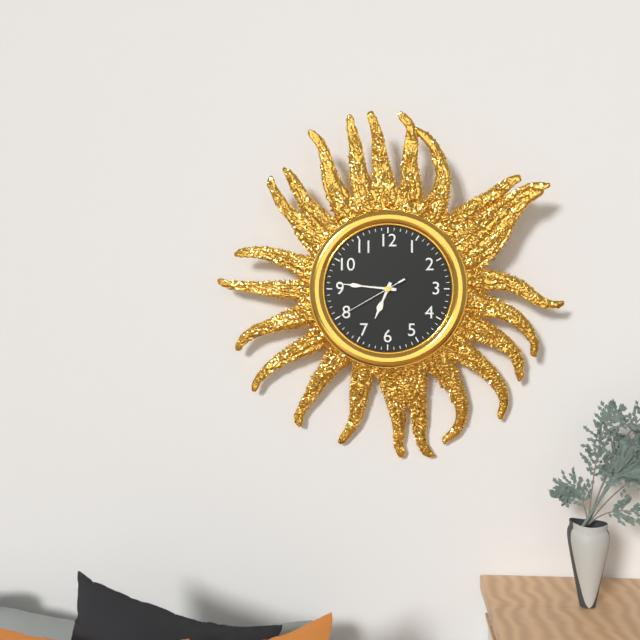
h=6 m=46 s=40
